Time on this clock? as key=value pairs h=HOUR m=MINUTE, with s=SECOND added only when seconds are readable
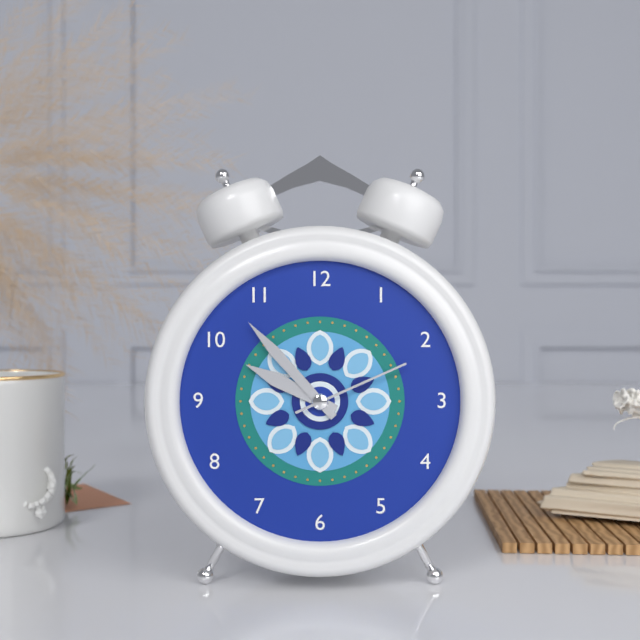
h=9 m=53 s=11
